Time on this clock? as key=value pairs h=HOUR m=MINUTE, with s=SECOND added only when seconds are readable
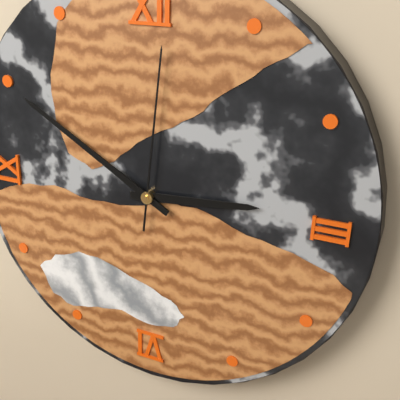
h=2 m=50 s=1
